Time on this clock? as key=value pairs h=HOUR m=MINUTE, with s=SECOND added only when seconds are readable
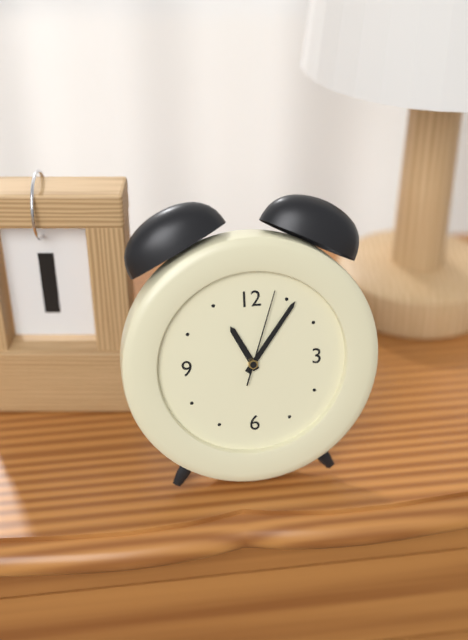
h=11 m=6 s=3
